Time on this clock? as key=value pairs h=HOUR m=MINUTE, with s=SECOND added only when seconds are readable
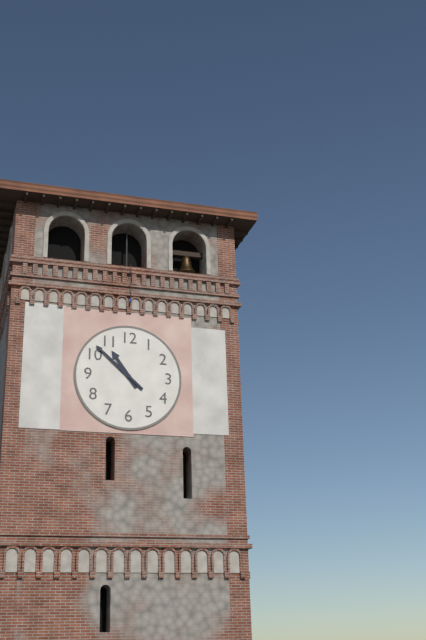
h=10 m=52
